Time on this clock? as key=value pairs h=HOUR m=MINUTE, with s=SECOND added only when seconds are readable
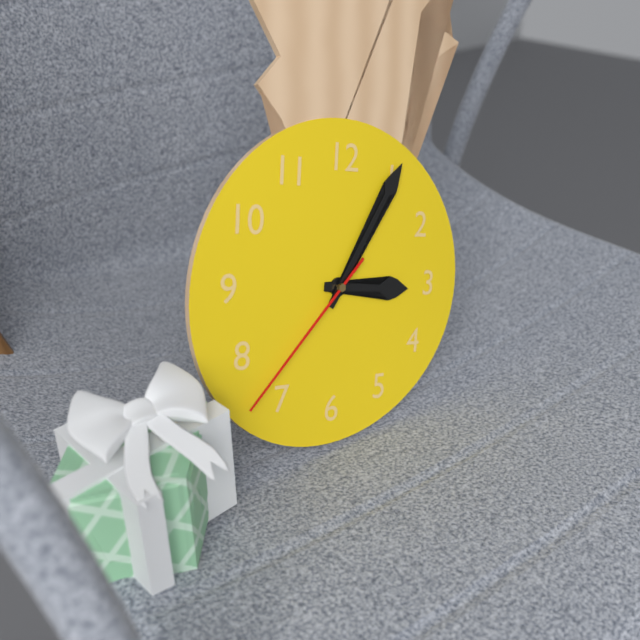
h=3 m=5 s=37
